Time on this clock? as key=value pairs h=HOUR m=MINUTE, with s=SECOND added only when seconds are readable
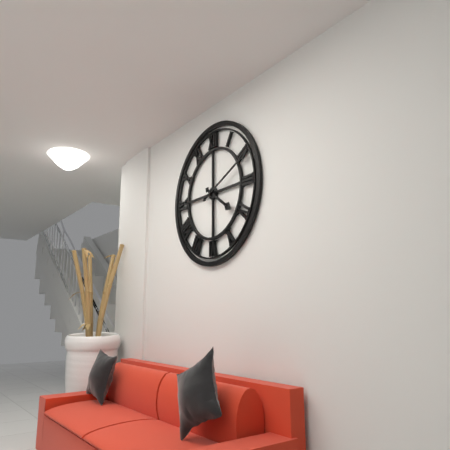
h=4 m=11
